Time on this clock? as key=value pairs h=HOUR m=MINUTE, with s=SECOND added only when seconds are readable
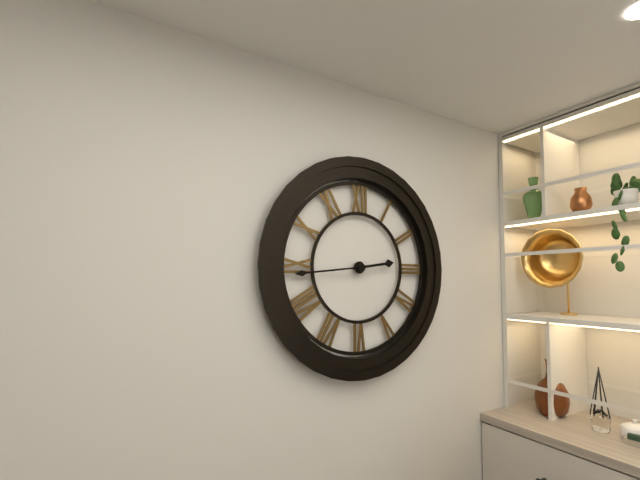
h=2 m=44
